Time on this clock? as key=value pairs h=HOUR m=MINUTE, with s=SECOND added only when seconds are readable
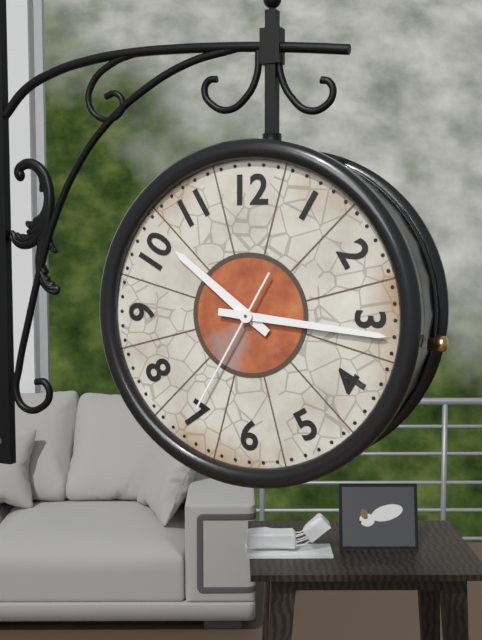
h=10 m=16 s=35
